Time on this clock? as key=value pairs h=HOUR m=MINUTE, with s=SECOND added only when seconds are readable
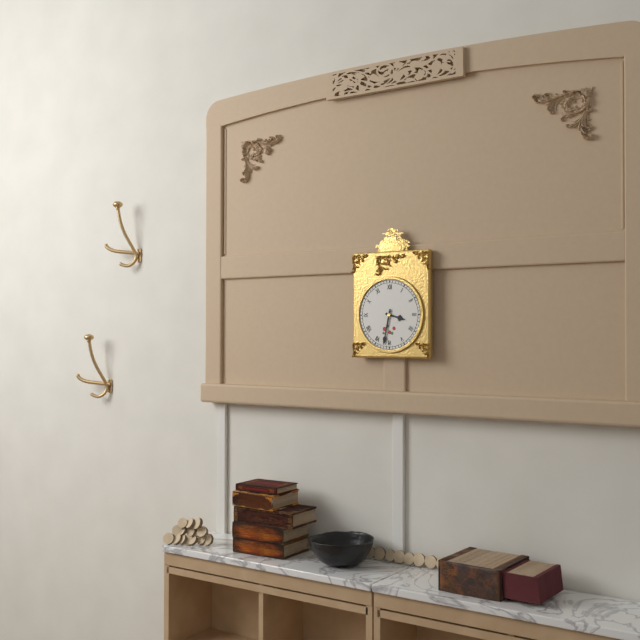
h=3 m=32
